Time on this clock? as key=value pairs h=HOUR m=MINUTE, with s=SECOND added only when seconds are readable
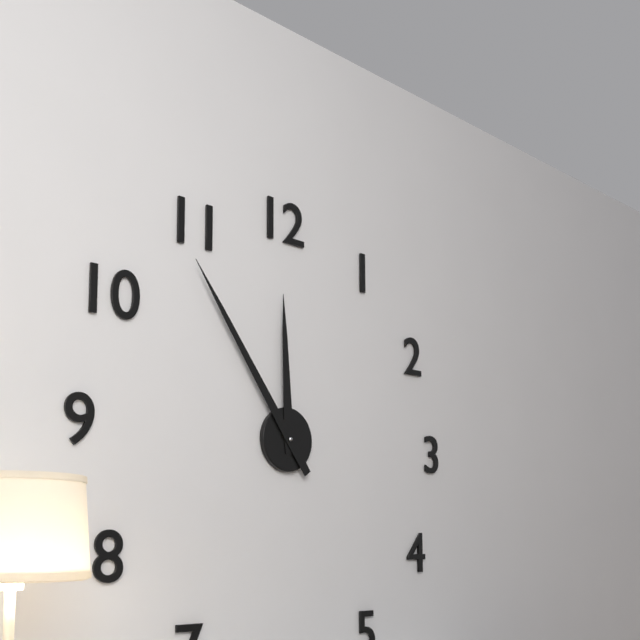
h=11 m=54
